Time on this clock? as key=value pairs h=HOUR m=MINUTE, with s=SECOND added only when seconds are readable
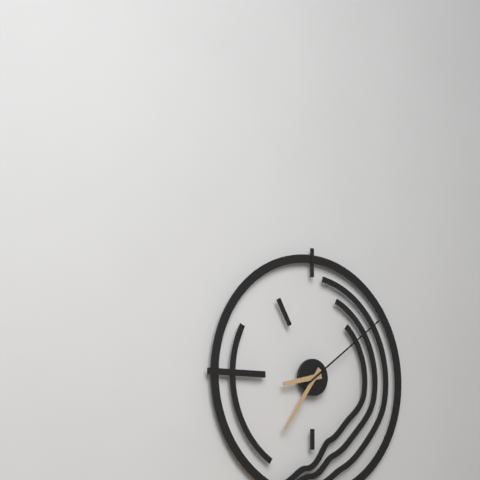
h=8 m=36 s=9
